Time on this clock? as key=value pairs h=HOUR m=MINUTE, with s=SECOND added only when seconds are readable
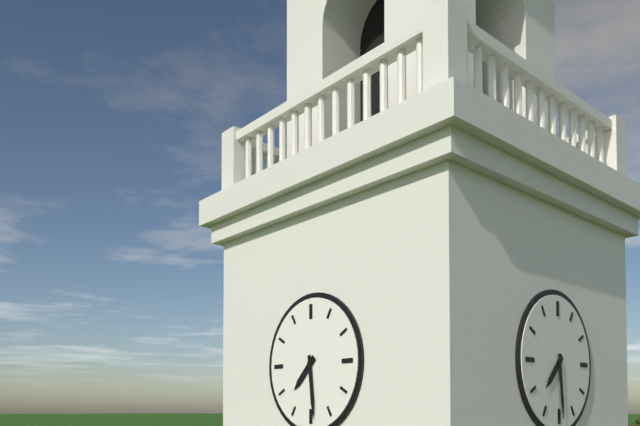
h=7 m=29
